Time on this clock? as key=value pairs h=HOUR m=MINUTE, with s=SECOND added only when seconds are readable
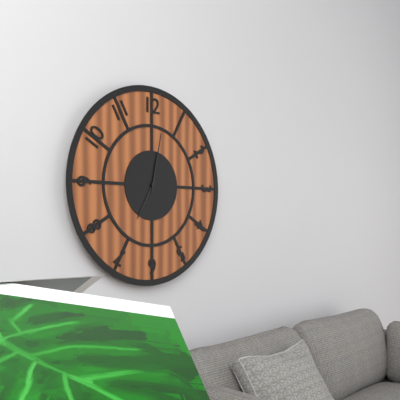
h=7 m=2
